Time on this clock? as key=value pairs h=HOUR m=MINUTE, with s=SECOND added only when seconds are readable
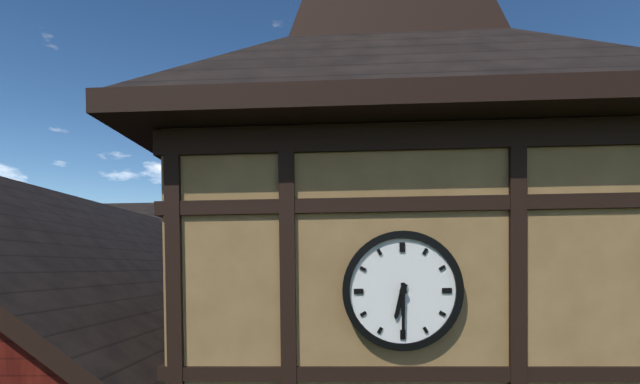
h=6 m=30
